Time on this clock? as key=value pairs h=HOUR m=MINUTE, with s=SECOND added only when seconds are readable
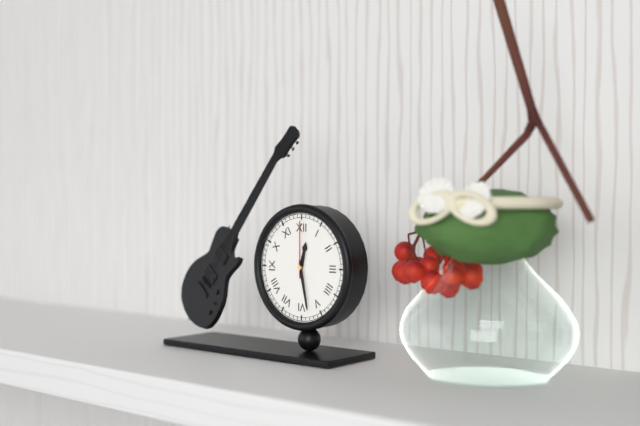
h=12 m=28 s=0
